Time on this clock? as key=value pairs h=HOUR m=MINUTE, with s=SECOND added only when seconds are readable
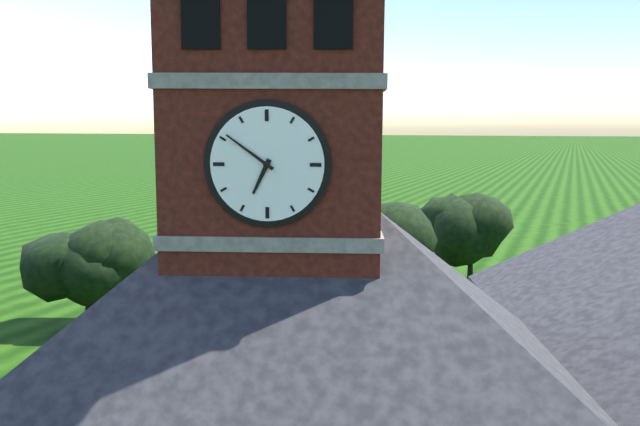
h=6 m=51
